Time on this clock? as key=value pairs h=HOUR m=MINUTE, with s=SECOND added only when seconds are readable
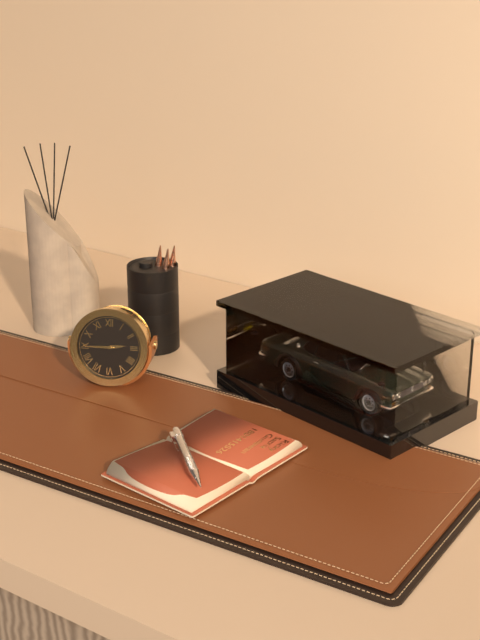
h=2 m=45
